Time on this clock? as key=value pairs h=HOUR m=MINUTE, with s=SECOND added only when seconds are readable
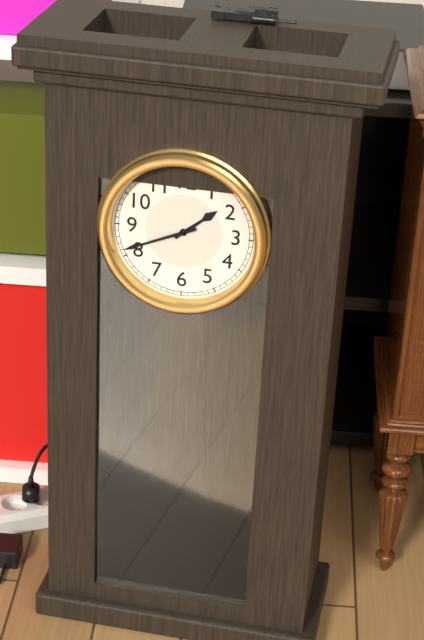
h=1 m=41
